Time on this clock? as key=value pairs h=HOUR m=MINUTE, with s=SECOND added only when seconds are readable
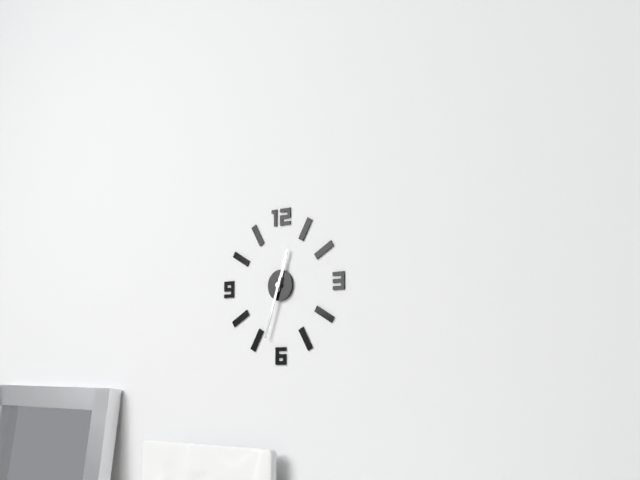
h=12 m=33
